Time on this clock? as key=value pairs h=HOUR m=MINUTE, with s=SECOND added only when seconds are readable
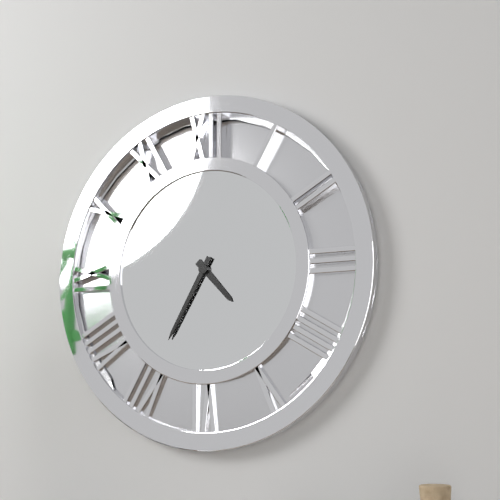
h=4 m=35
